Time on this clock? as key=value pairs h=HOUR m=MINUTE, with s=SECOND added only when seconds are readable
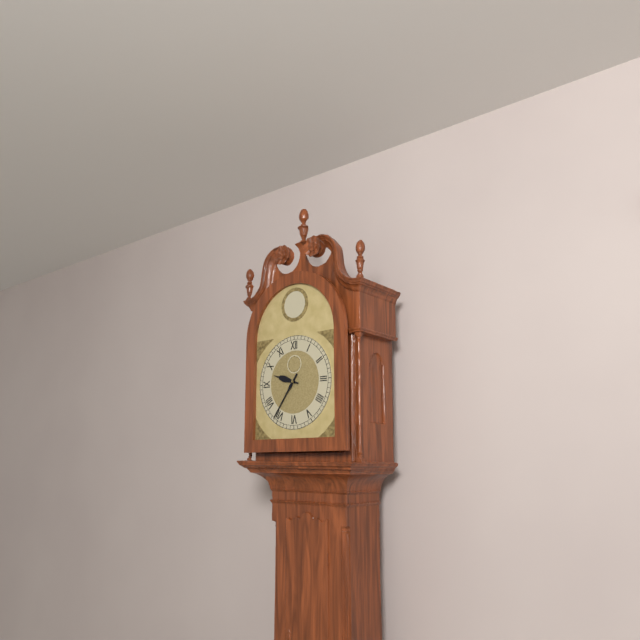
h=9 m=36
